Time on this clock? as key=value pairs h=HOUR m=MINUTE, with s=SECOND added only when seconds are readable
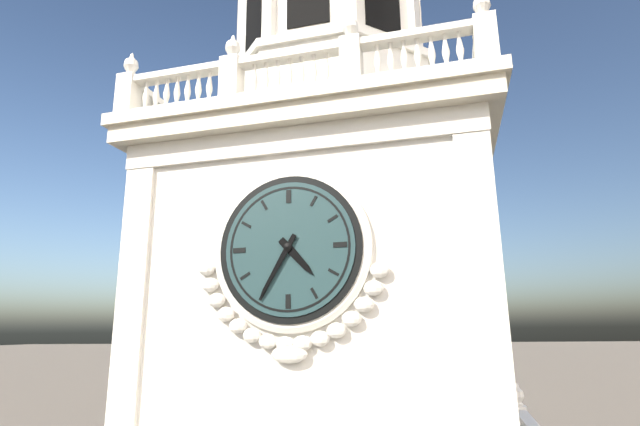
h=4 m=35
